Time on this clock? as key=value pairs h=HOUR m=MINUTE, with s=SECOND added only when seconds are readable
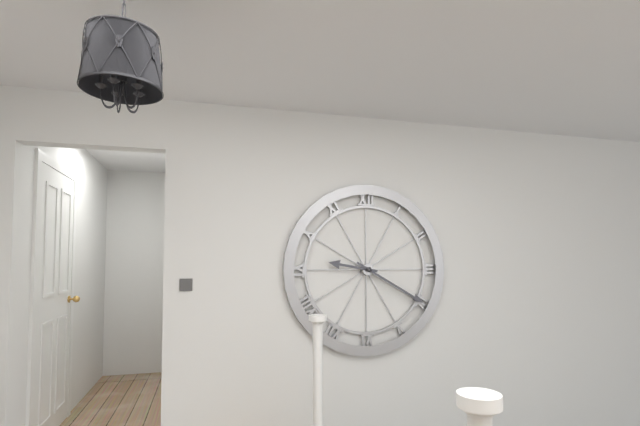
h=9 m=20
